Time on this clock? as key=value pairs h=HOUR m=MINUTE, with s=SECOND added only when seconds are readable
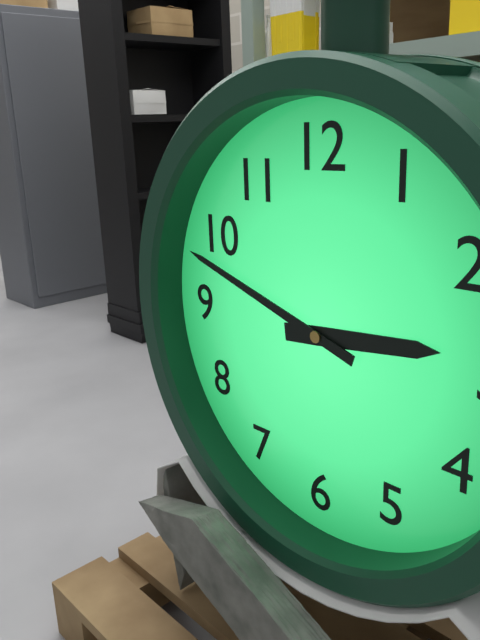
h=2 m=48
